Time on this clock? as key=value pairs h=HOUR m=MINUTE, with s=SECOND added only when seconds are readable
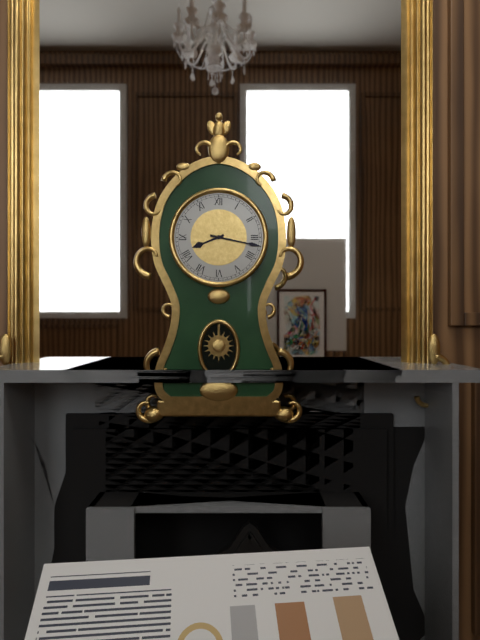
h=8 m=17
